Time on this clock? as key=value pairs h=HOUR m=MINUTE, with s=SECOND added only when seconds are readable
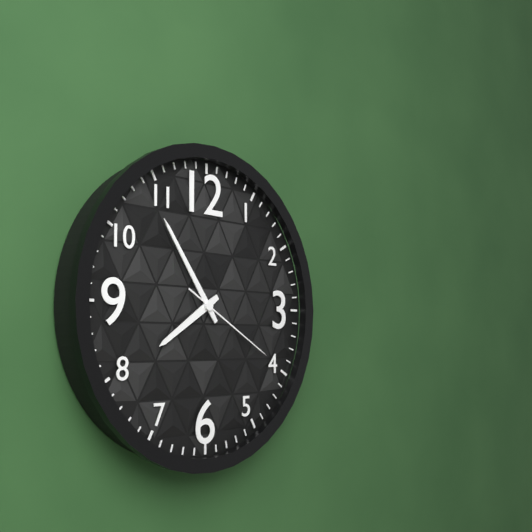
h=7 m=54 s=20
